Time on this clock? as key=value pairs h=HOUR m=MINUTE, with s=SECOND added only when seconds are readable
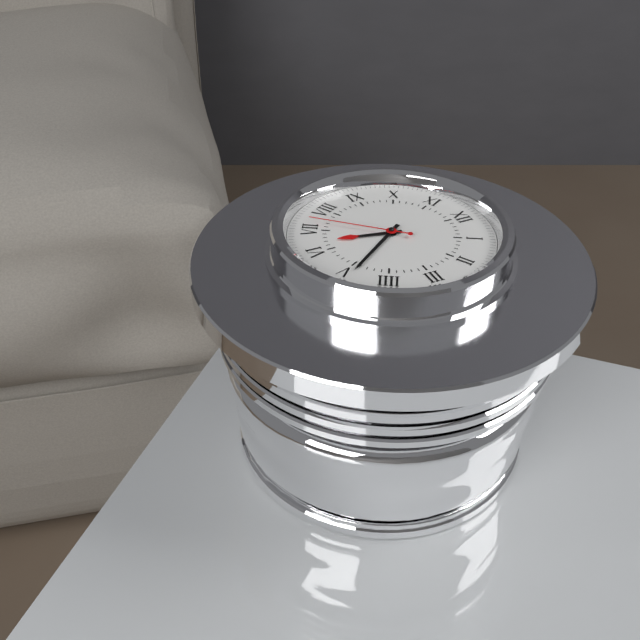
h=6 m=24 s=37
